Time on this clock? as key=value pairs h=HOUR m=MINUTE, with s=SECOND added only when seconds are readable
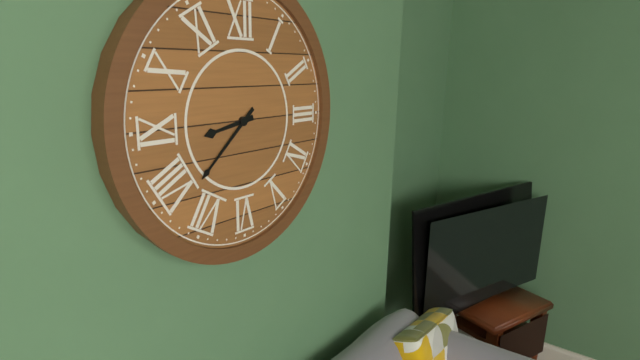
h=8 m=38
